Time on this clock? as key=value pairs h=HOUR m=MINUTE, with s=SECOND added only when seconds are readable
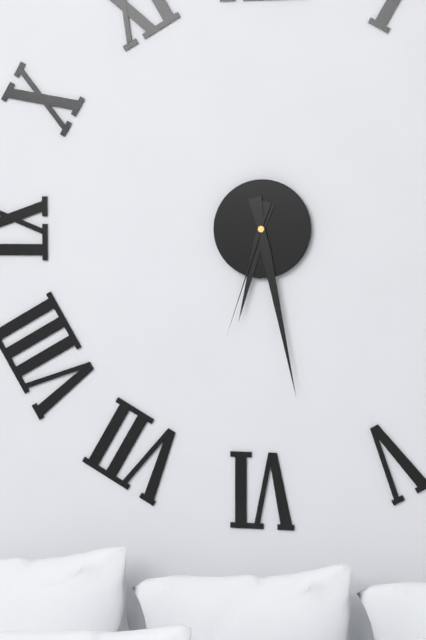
h=6 m=28 s=33
